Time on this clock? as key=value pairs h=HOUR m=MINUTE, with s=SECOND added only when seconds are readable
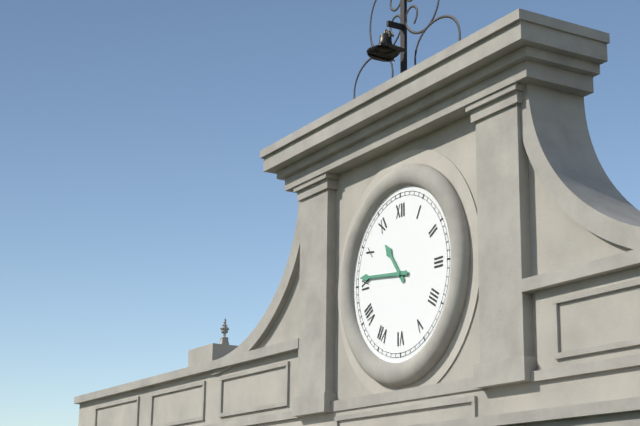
h=10 m=46
